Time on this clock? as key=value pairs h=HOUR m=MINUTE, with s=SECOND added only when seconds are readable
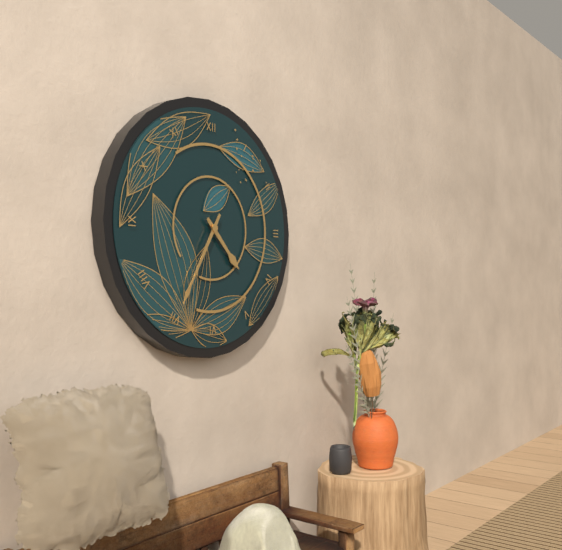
h=4 m=35
